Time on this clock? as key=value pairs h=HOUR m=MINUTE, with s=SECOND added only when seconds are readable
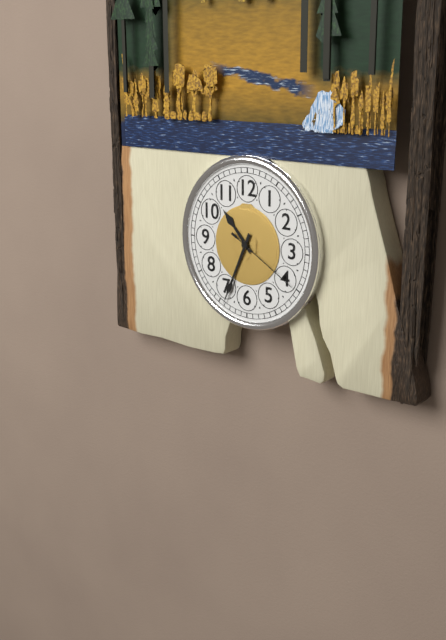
h=10 m=34 s=20
